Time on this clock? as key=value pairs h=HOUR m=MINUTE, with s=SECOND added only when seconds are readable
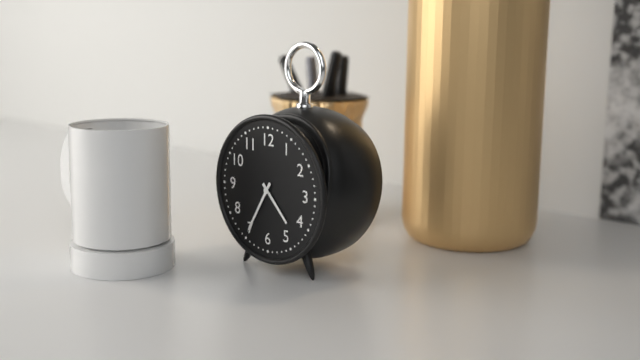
h=4 m=35
